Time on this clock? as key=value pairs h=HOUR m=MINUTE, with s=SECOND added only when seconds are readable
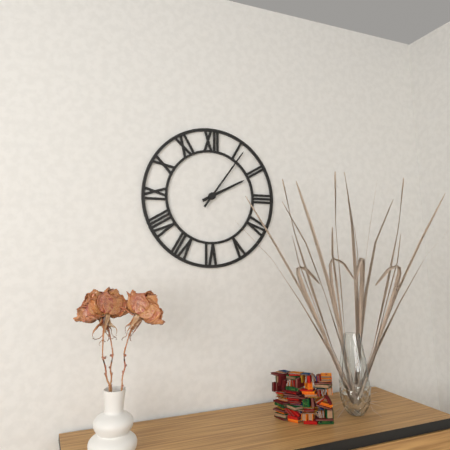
h=2 m=6
